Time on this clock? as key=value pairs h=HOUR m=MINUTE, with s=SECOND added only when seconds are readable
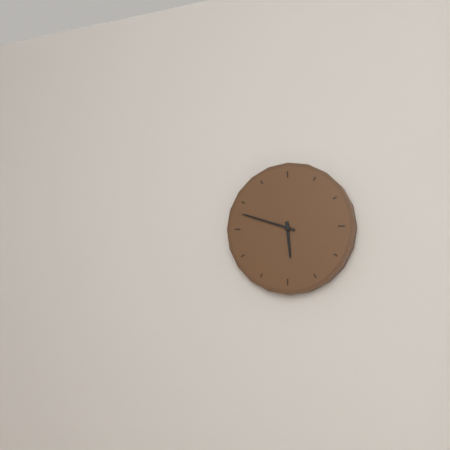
h=5 m=48
